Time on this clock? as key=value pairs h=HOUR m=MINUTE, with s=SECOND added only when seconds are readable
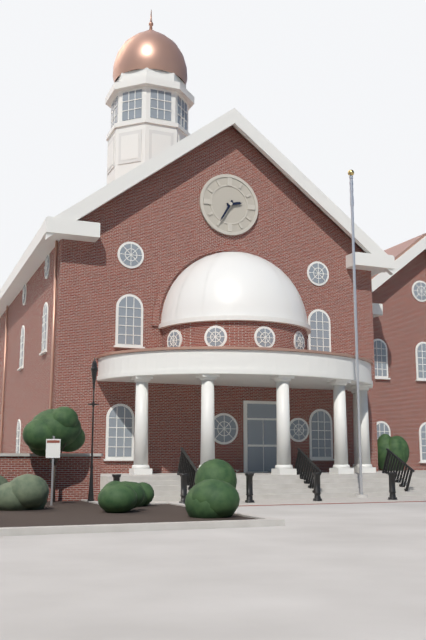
h=2 m=35
